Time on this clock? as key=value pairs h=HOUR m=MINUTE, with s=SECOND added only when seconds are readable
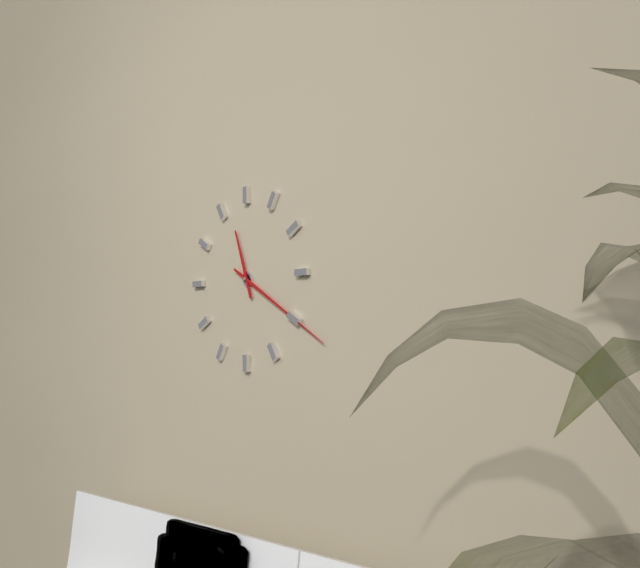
h=11 m=20
